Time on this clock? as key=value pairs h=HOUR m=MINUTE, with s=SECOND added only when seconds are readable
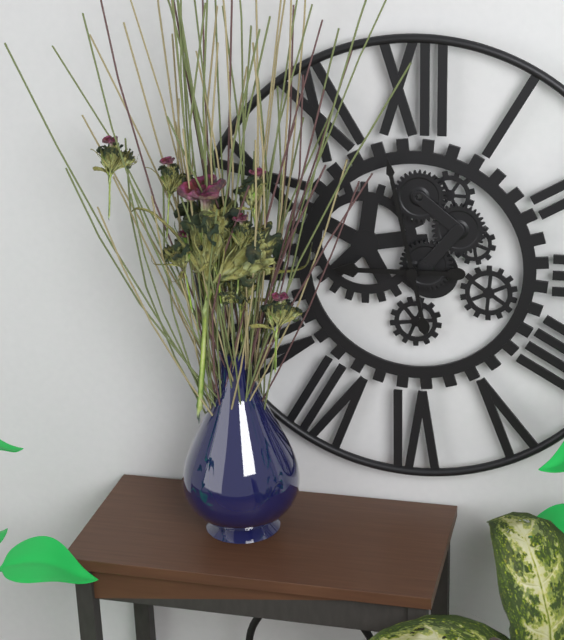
h=8 m=58
